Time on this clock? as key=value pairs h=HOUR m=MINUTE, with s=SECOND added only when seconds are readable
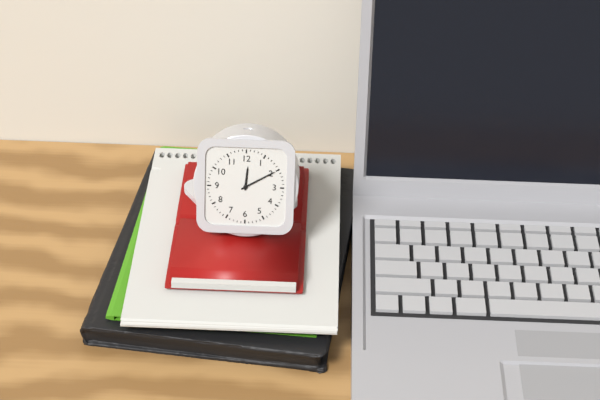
h=12 m=10
